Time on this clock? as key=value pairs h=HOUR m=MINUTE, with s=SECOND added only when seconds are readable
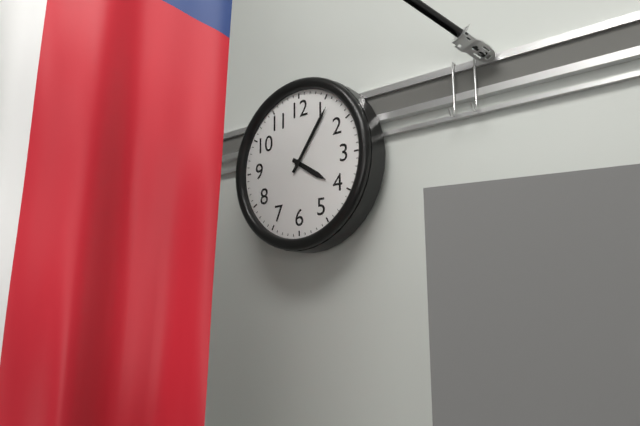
h=4 m=6
